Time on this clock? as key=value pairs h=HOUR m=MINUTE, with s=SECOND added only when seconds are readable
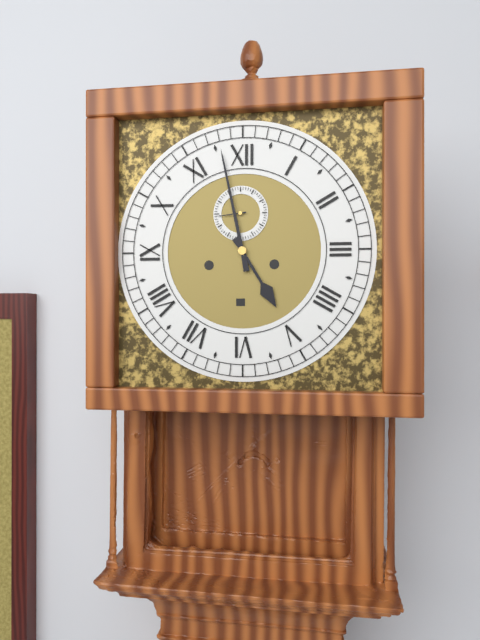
h=4 m=58
